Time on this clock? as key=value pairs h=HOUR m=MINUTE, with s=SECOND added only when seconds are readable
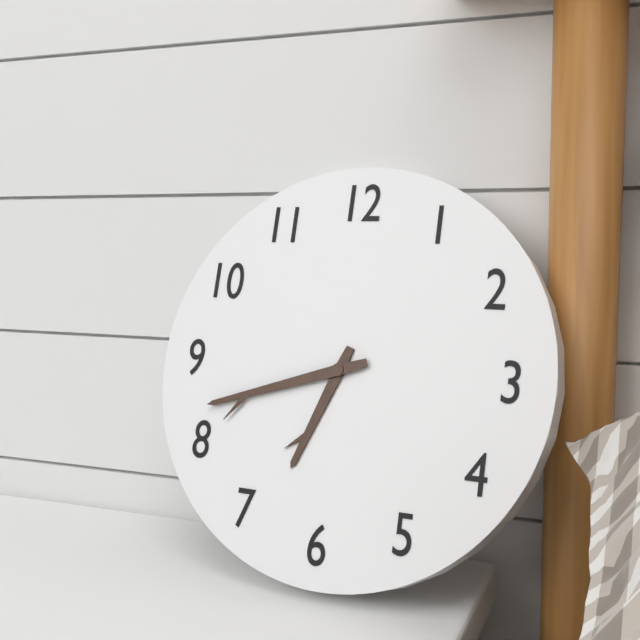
h=6 m=42
